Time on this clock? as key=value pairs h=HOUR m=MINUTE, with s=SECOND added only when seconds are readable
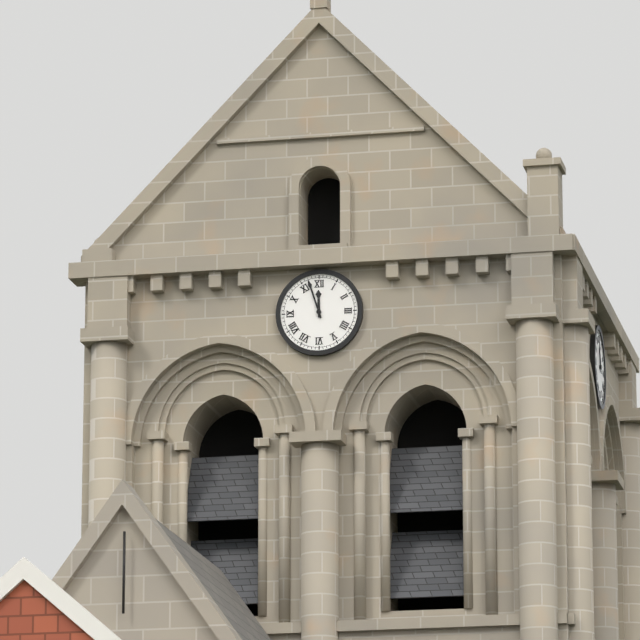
h=11 m=57
